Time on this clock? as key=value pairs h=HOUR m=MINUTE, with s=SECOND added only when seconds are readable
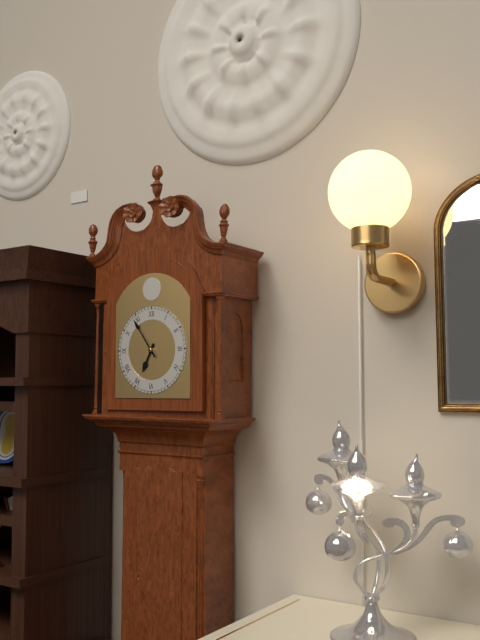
h=6 m=54
